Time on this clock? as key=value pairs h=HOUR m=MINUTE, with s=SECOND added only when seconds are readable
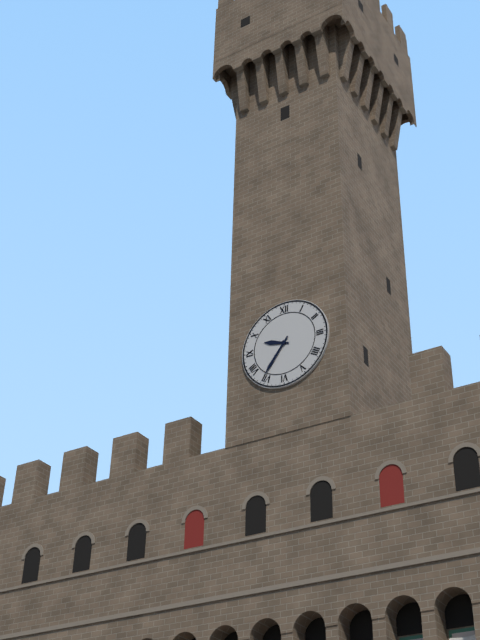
h=9 m=36
